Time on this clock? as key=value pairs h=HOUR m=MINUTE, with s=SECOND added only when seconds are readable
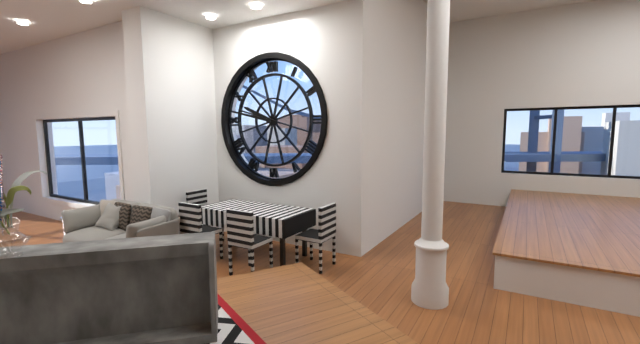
h=9 m=47
